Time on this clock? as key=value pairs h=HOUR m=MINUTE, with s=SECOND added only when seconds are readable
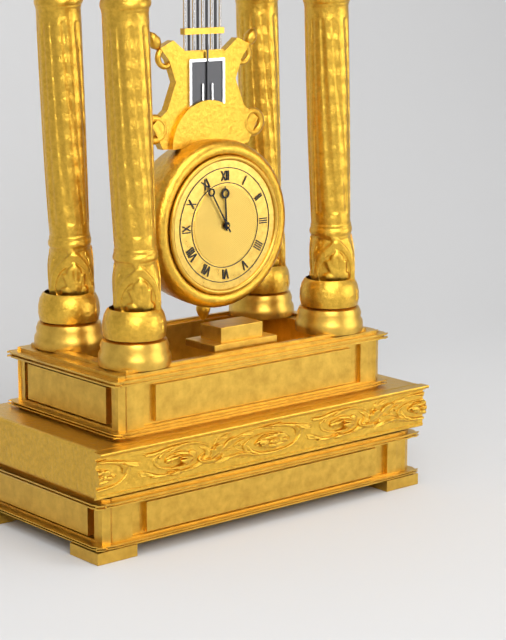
h=11 m=55
